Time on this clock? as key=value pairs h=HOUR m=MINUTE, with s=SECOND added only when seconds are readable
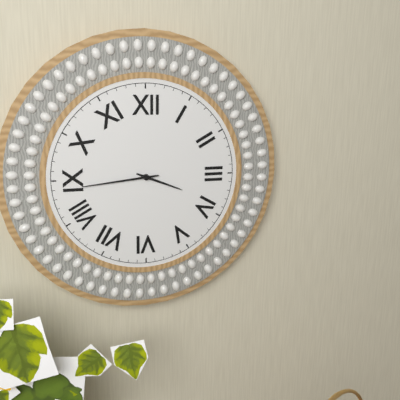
h=3 m=44
